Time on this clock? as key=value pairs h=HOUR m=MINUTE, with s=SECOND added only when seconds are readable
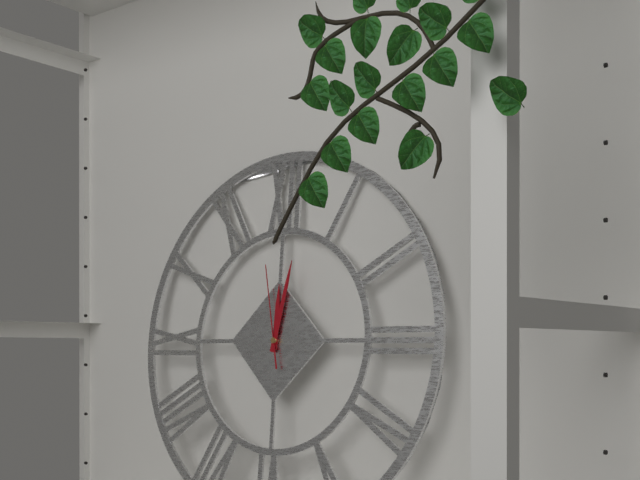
h=12 m=2 s=58
